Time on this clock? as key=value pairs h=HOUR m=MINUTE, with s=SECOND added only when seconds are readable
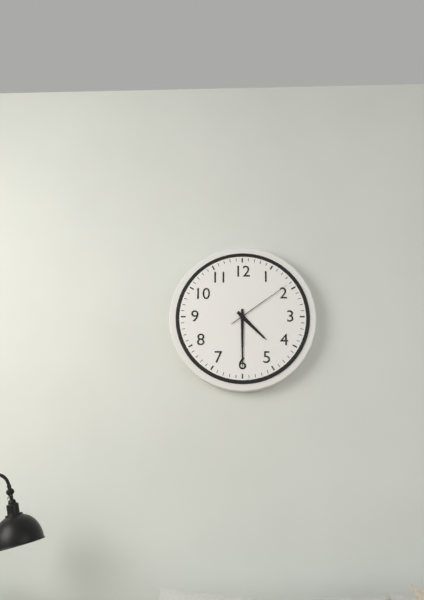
h=4 m=30 s=9
